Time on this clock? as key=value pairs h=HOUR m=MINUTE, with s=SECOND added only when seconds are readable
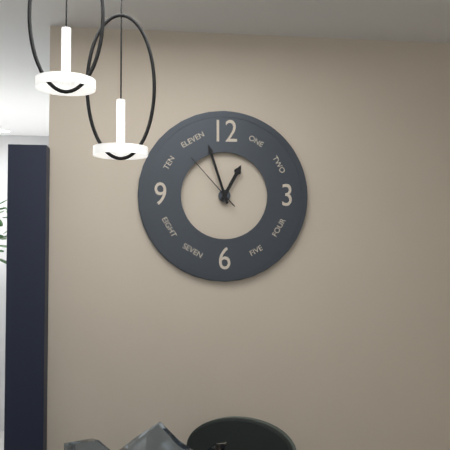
h=12 m=57 s=53
